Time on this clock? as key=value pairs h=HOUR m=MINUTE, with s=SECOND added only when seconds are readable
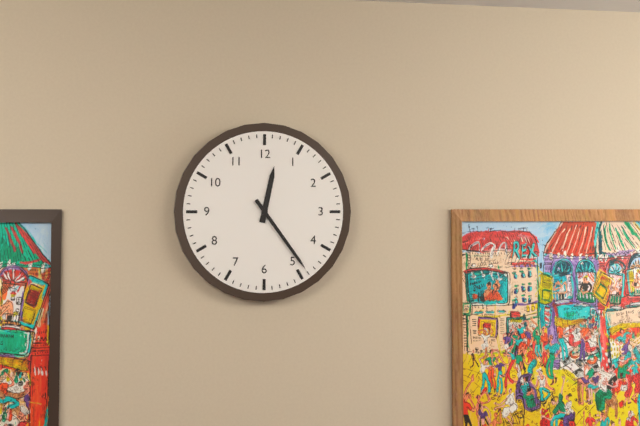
h=12 m=24
